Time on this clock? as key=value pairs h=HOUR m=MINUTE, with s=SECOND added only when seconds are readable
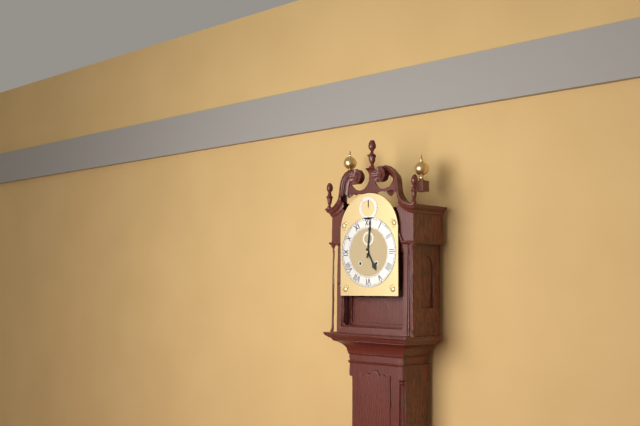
h=5 m=1
